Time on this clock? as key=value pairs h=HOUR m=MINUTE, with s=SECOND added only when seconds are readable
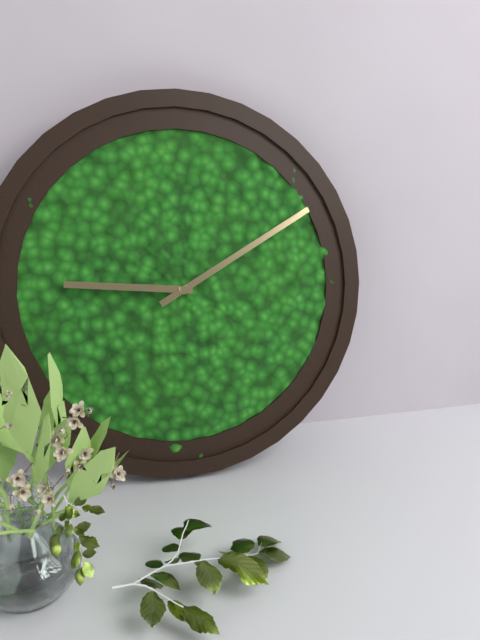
h=9 m=10
